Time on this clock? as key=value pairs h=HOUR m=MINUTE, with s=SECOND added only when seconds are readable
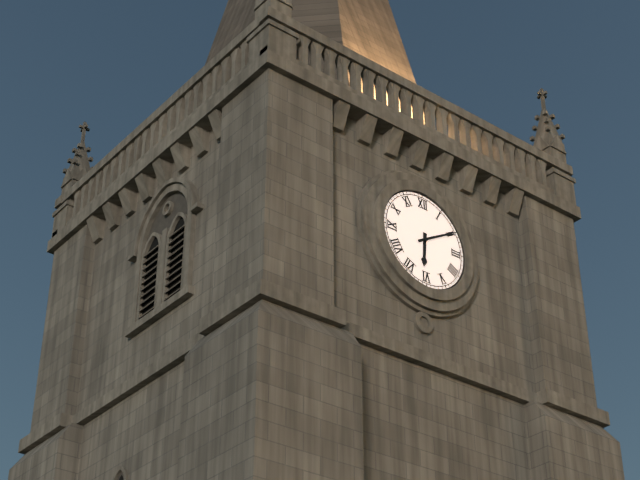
h=6 m=10
